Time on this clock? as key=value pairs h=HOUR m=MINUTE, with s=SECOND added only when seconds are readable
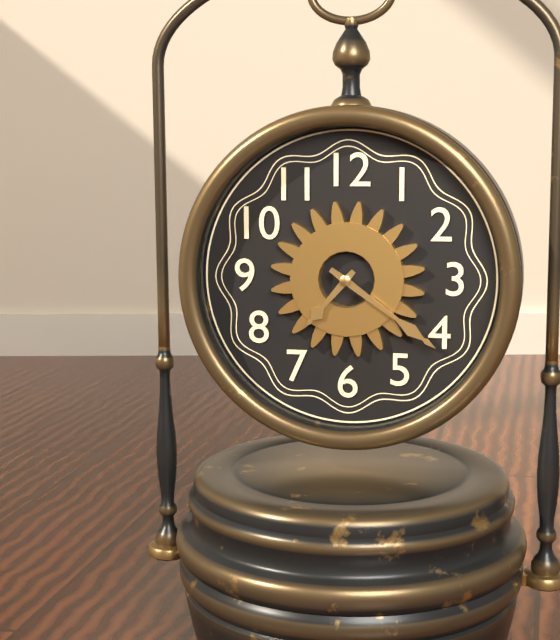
h=7 m=21
